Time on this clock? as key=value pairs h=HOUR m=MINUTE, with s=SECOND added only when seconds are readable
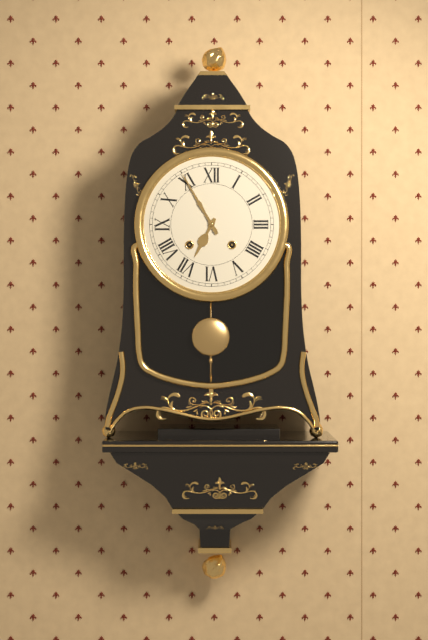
h=6 m=55
